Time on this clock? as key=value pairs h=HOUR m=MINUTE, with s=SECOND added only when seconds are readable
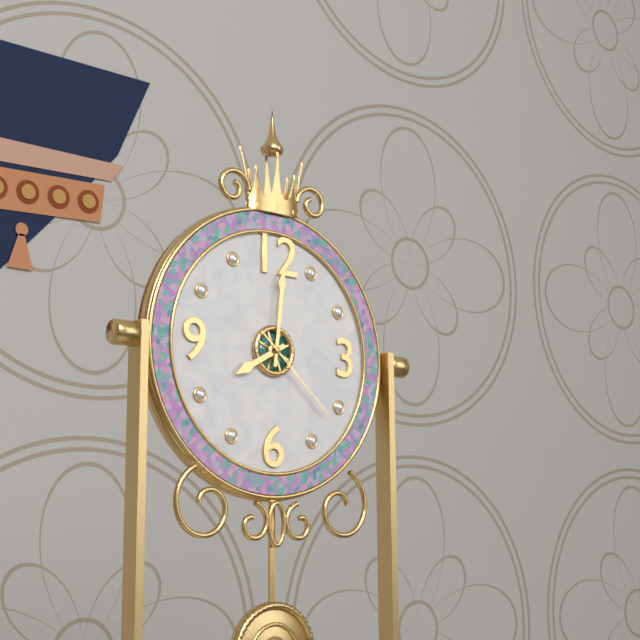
h=8 m=1 s=22
